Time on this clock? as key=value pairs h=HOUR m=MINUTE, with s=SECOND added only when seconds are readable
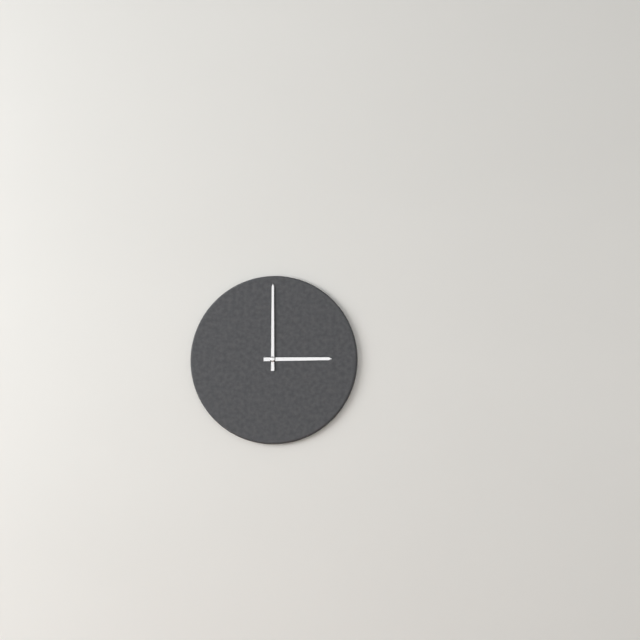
h=3 m=0
